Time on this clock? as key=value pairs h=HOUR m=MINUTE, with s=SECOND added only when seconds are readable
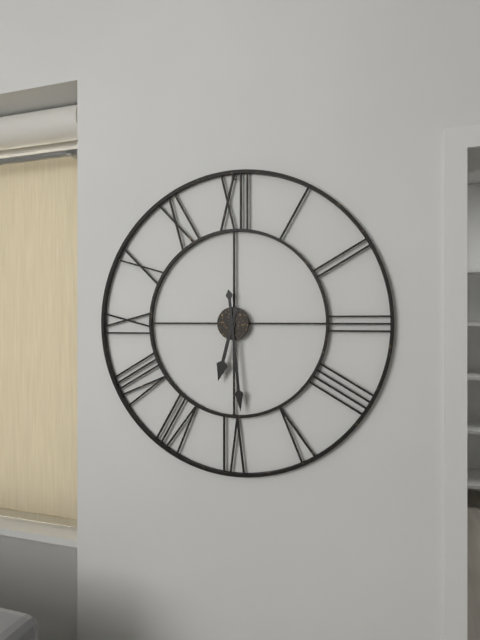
h=6 m=29
